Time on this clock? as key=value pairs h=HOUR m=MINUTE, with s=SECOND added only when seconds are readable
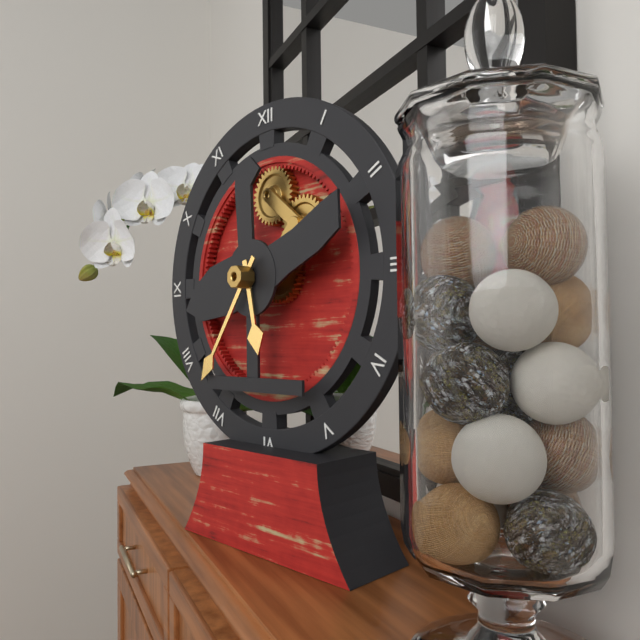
h=5 m=36
